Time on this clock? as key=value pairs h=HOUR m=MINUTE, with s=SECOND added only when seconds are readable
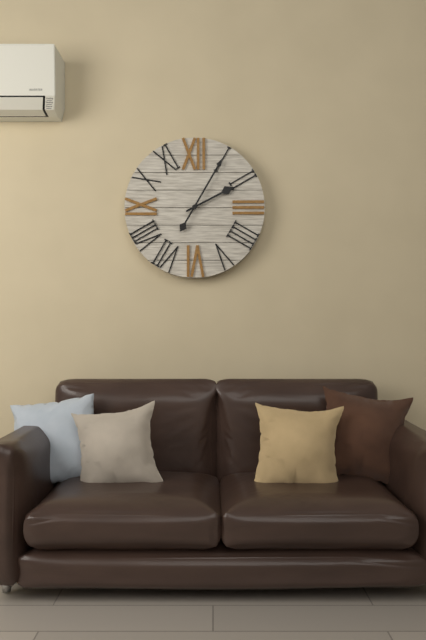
h=2 m=5
